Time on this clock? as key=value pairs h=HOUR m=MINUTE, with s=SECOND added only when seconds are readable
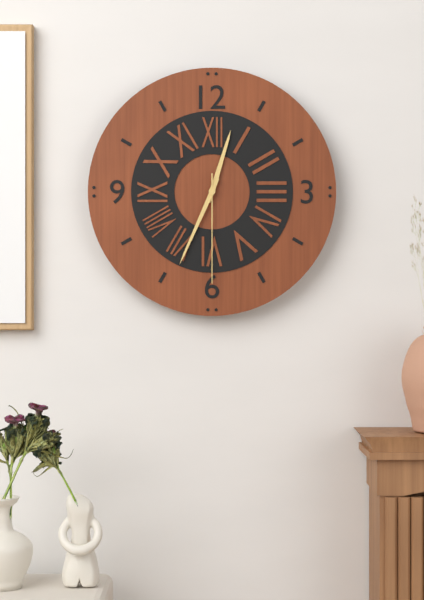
h=12 m=34 s=30
